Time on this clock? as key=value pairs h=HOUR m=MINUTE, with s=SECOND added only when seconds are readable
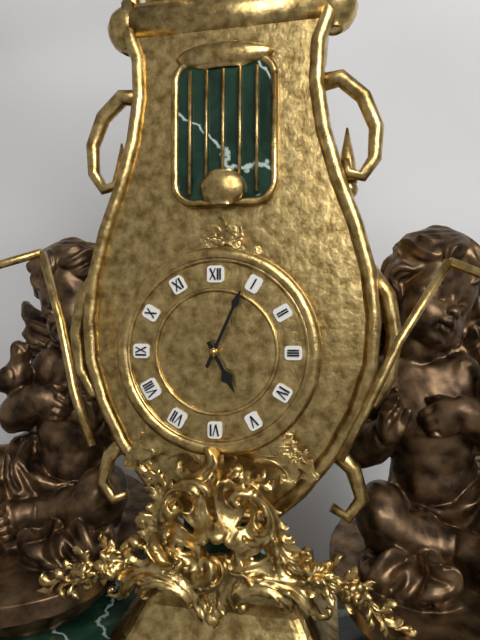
h=5 m=4
